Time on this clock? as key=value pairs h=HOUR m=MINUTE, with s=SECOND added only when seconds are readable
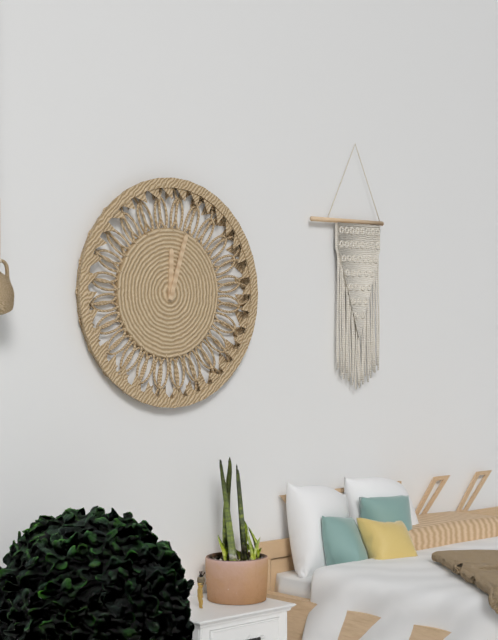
h=12 m=3
